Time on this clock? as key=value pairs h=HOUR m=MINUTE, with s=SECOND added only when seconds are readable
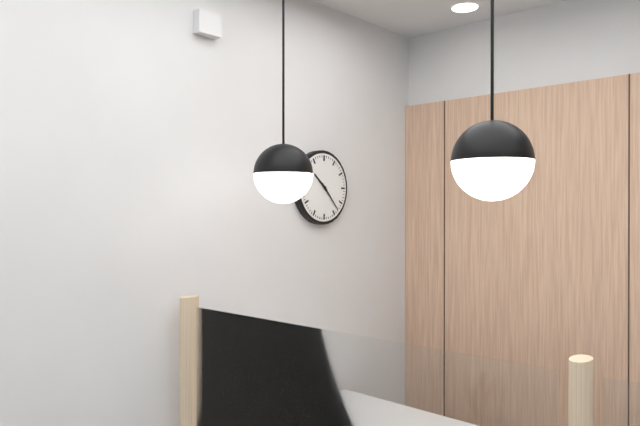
h=10 m=23
